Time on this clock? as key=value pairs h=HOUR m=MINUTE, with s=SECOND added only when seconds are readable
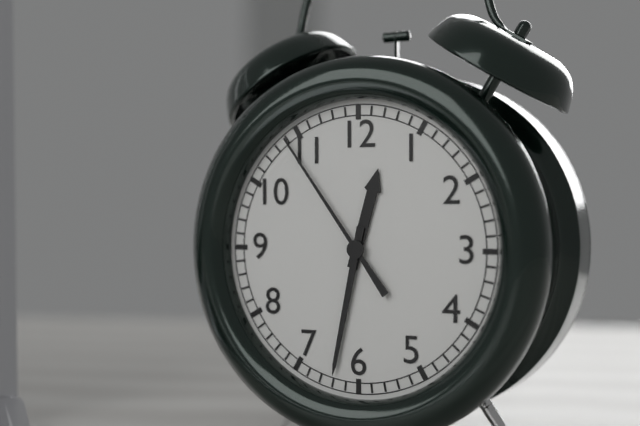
h=12 m=32 s=54
